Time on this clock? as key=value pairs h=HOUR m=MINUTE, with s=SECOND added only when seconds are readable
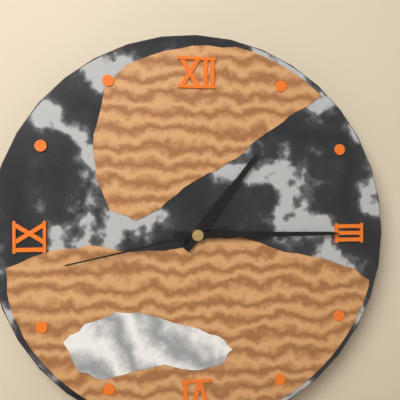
h=1 m=15 s=43
